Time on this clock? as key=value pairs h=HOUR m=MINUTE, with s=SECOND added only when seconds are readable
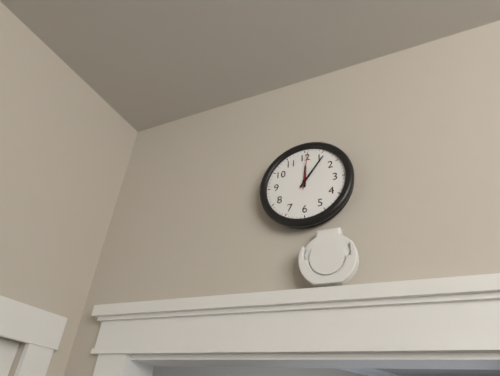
h=12 m=6
